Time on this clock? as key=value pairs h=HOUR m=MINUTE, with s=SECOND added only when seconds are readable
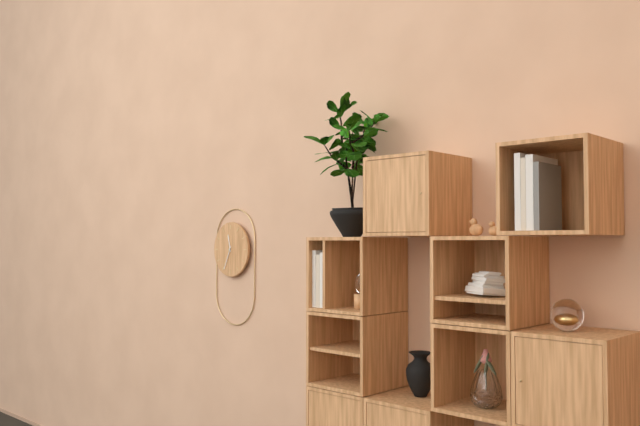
h=11 m=34
